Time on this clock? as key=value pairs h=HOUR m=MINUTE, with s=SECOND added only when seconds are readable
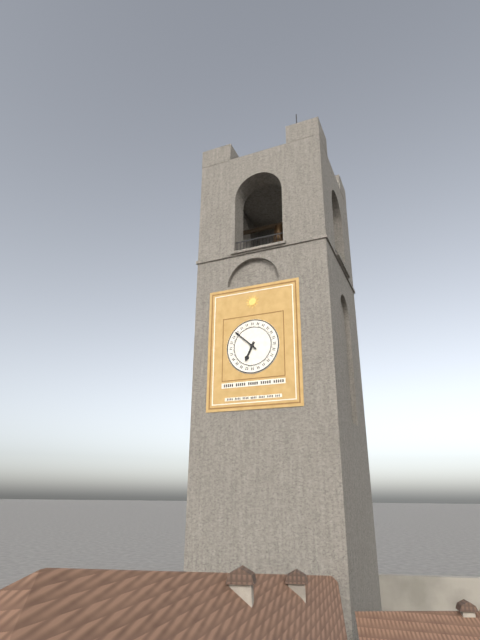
h=6 m=52
